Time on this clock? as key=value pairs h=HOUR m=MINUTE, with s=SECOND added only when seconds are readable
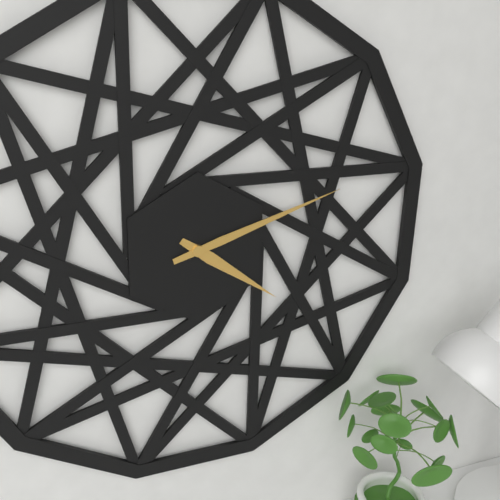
h=4 m=12
